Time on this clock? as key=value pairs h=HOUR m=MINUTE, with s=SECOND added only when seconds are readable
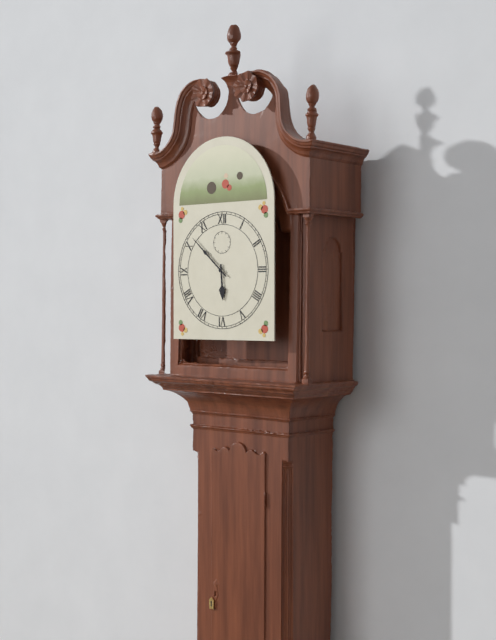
h=5 m=52
